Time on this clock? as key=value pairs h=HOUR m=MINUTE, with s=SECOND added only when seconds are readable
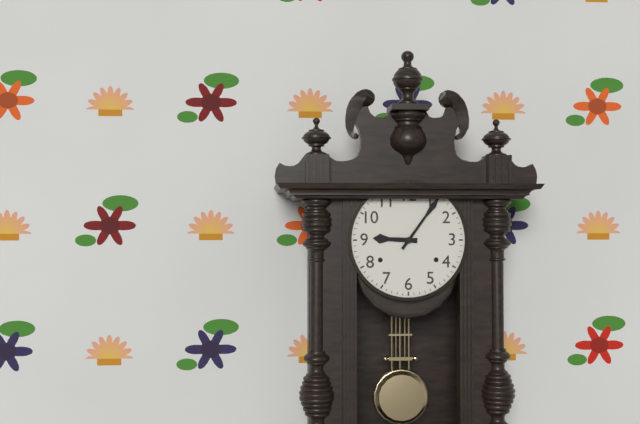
h=9 m=6
